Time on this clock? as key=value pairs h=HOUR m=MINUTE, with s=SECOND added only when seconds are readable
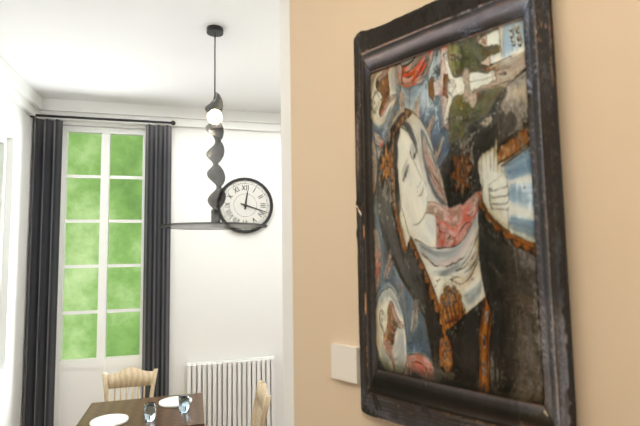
h=12 m=18
